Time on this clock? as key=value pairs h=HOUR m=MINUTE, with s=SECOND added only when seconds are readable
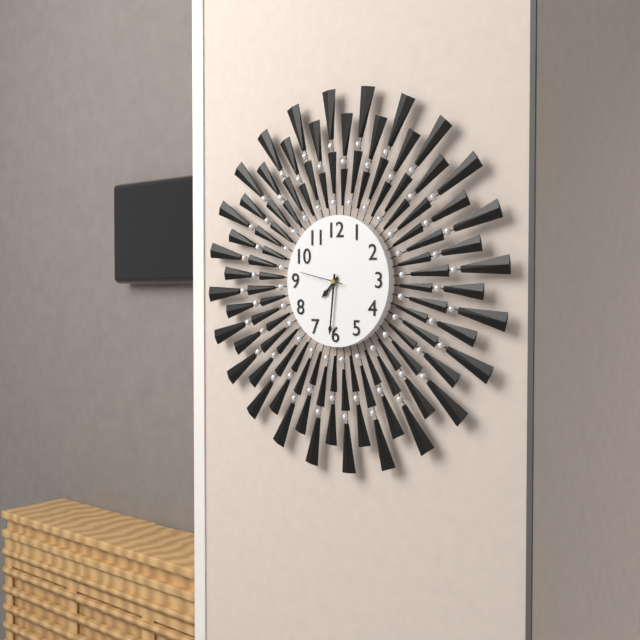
h=7 m=31
